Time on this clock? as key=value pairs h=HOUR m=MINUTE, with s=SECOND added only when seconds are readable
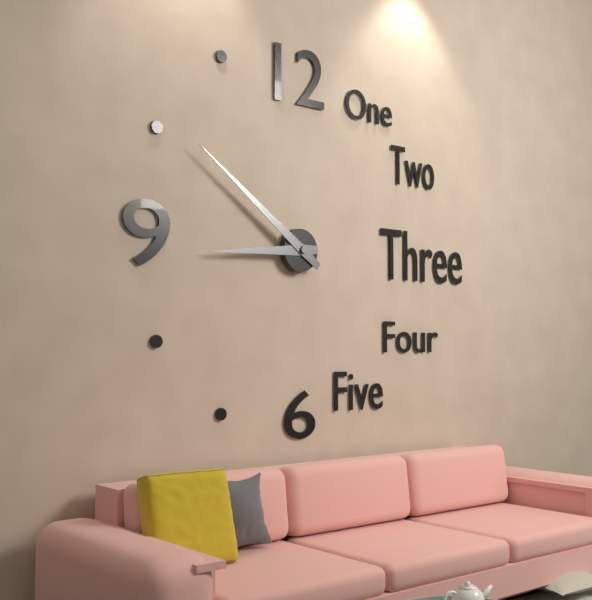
h=8 m=51
